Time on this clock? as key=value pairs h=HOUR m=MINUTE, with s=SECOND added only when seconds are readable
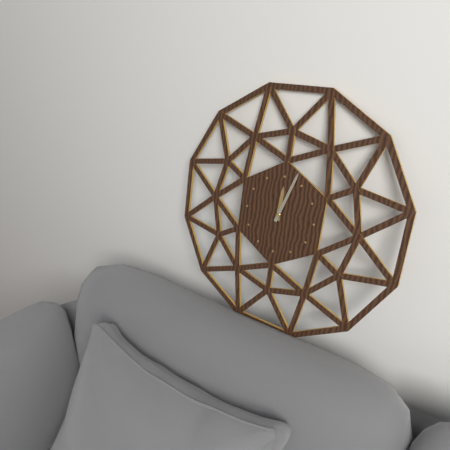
h=12 m=3
